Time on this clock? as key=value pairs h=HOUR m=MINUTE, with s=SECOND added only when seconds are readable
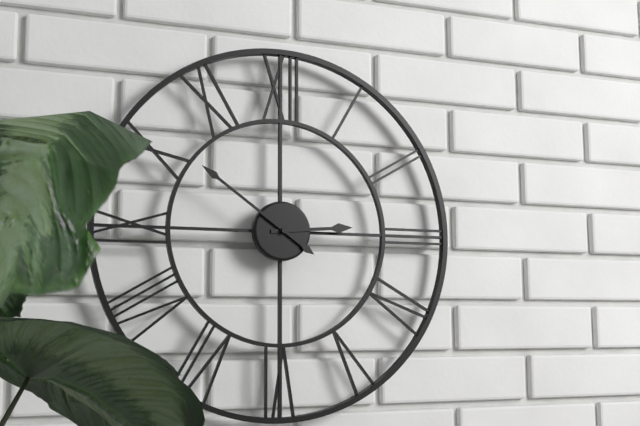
h=2 m=51
